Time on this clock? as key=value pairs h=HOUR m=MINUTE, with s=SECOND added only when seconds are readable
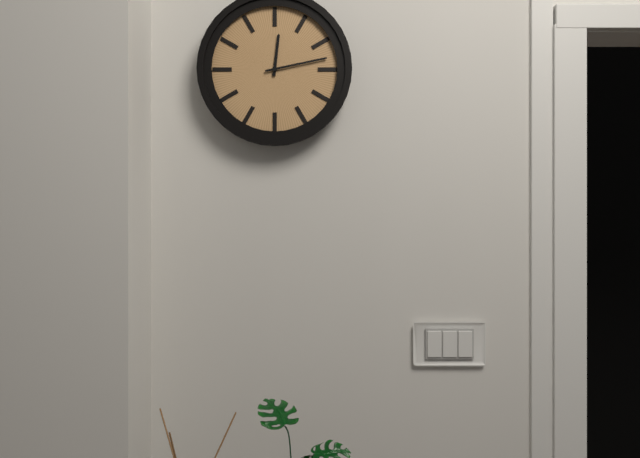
h=12 m=13
